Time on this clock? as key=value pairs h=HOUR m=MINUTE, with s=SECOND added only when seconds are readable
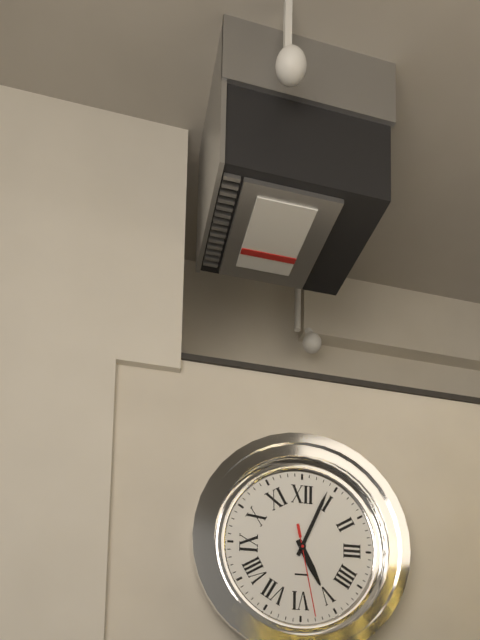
h=5 m=4 s=28
